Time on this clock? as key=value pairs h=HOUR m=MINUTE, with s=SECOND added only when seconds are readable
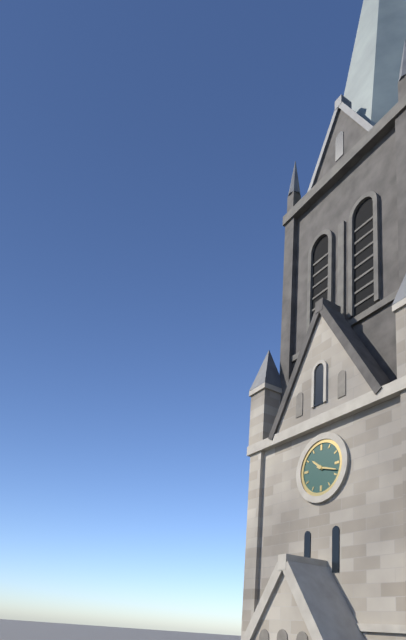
h=10 m=18
